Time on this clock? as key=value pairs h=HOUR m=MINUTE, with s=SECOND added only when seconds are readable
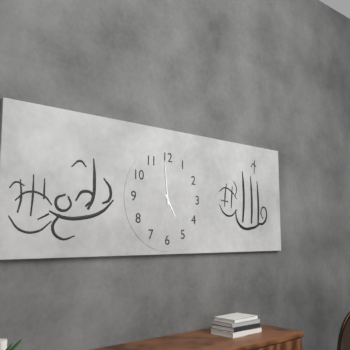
h=4 m=59
